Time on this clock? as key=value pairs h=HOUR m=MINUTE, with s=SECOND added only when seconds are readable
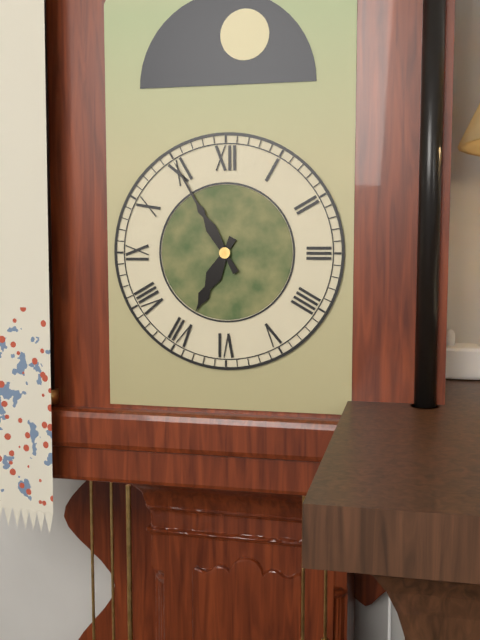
h=6 m=55
